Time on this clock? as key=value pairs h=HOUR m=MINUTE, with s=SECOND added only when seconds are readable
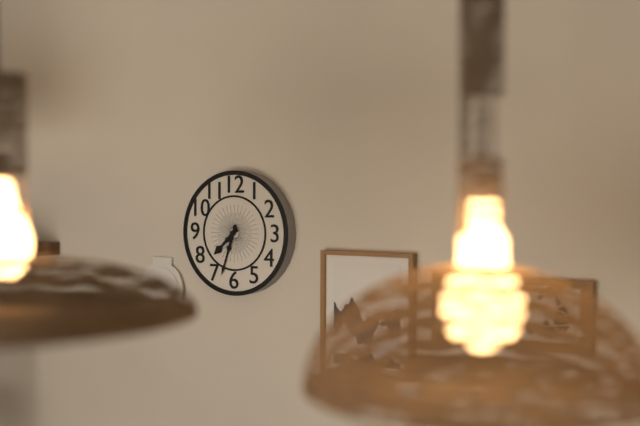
h=7 m=33
